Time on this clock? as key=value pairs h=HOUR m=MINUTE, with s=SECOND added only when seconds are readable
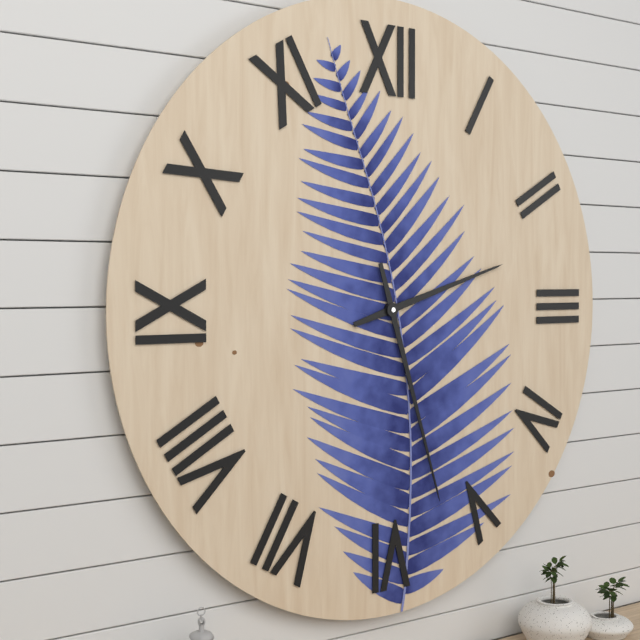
h=2 m=27
